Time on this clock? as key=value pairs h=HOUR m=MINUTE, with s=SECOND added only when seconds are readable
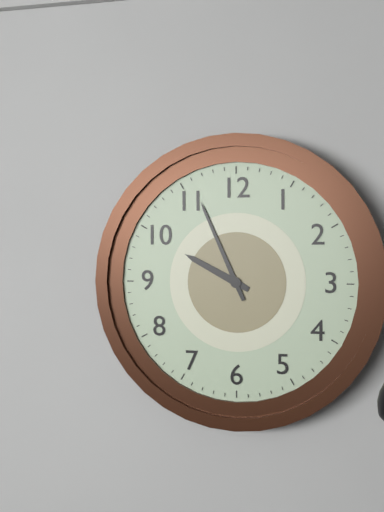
h=9 m=56
